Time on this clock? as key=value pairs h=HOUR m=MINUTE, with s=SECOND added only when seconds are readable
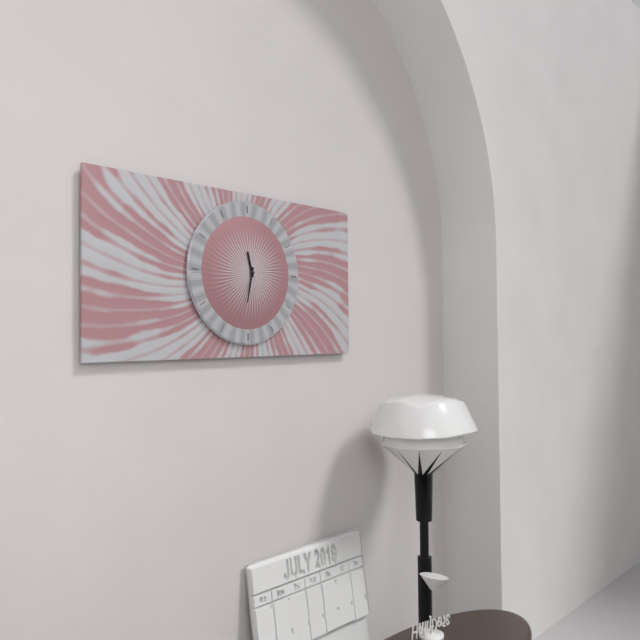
h=11 m=32
